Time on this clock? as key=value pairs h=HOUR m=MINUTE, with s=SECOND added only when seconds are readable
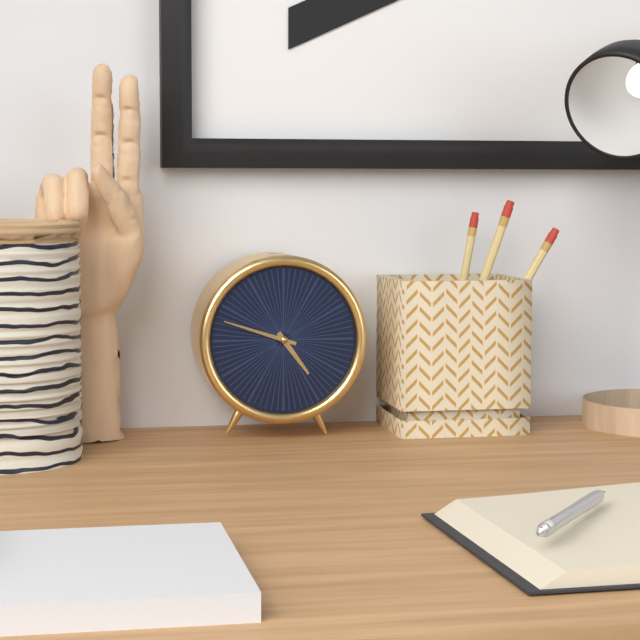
h=4 m=48
